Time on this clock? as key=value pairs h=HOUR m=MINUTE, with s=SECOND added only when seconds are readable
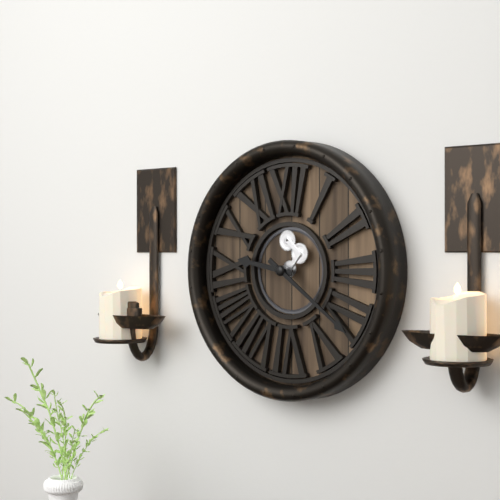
h=9 m=21
